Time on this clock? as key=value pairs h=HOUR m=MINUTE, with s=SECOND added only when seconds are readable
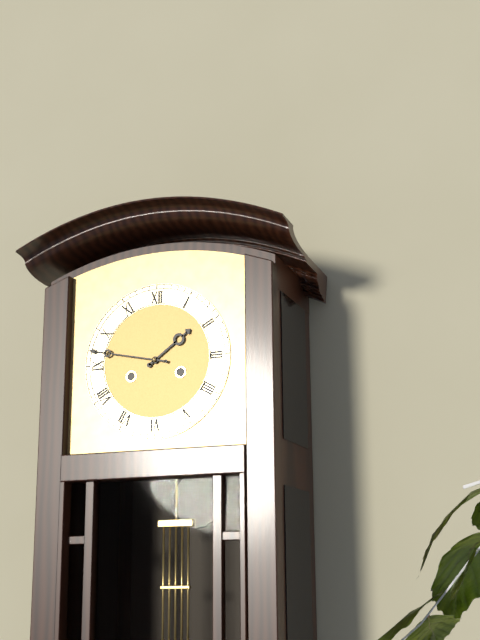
h=1 m=47
